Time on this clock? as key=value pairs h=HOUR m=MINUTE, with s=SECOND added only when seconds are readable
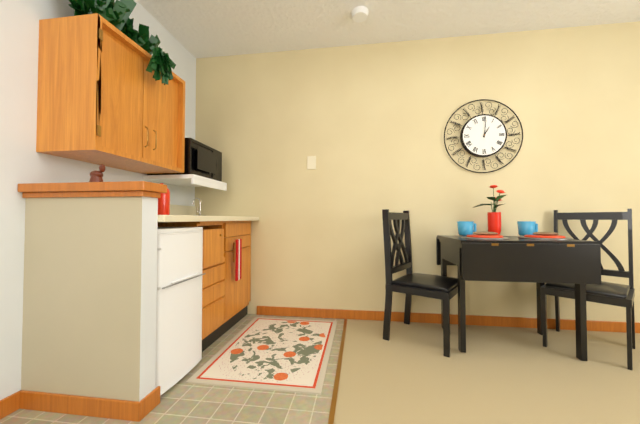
h=1 m=1
